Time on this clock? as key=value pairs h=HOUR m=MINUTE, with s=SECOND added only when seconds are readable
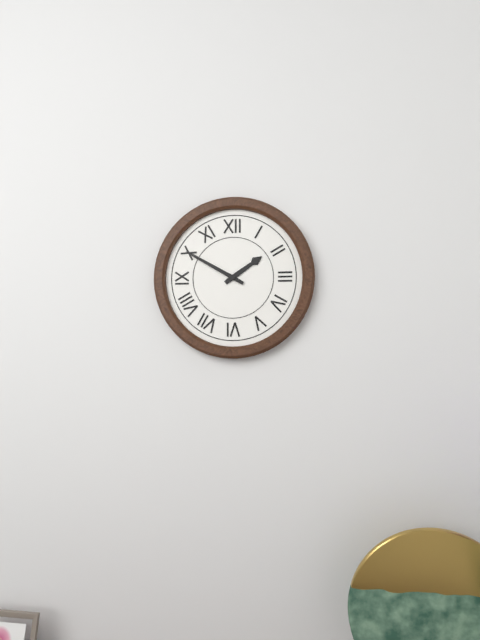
h=1 m=50
